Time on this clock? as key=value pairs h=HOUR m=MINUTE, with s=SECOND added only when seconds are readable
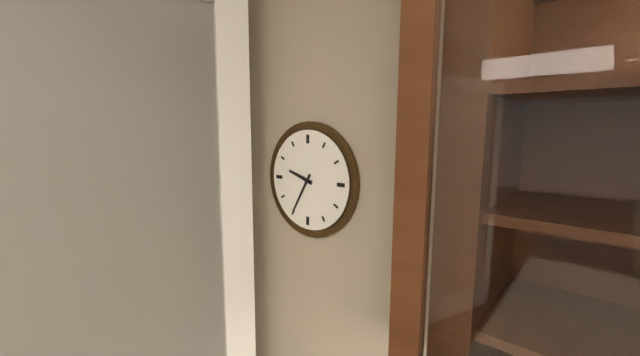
h=9 m=35
